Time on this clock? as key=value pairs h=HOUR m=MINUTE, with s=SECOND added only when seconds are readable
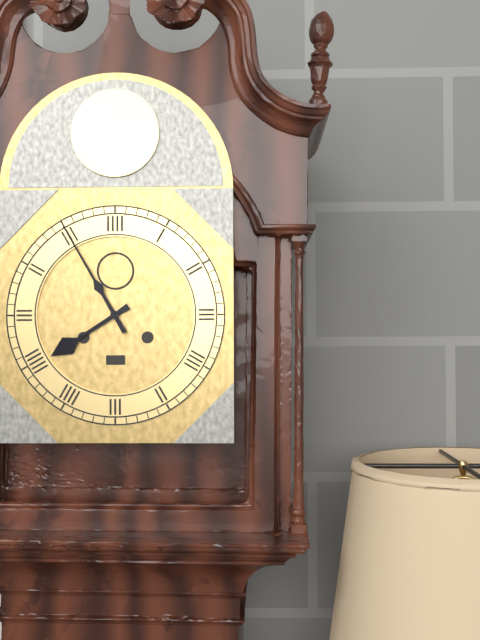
h=7 m=55
